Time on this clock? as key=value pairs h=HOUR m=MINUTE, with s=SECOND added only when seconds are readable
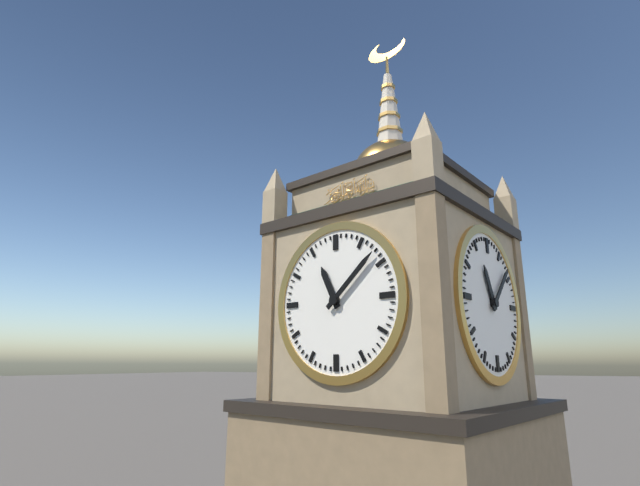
h=11 m=8
